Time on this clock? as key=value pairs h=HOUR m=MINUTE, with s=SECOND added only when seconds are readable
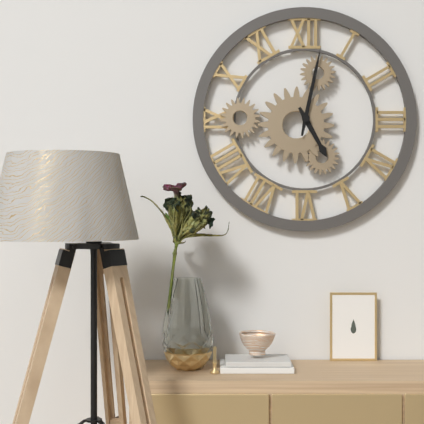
h=5 m=2
